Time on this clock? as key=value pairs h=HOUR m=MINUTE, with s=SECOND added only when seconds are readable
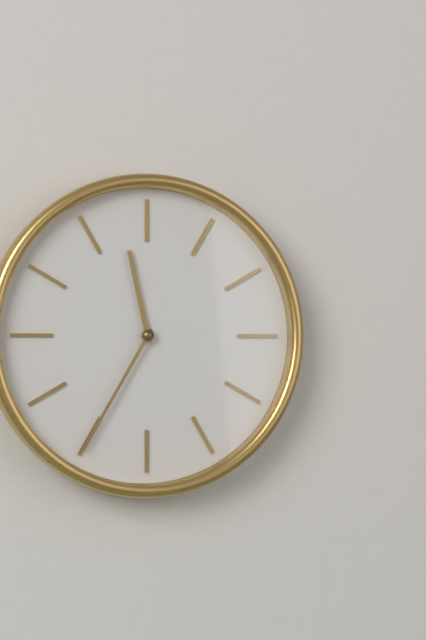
h=11 m=35
